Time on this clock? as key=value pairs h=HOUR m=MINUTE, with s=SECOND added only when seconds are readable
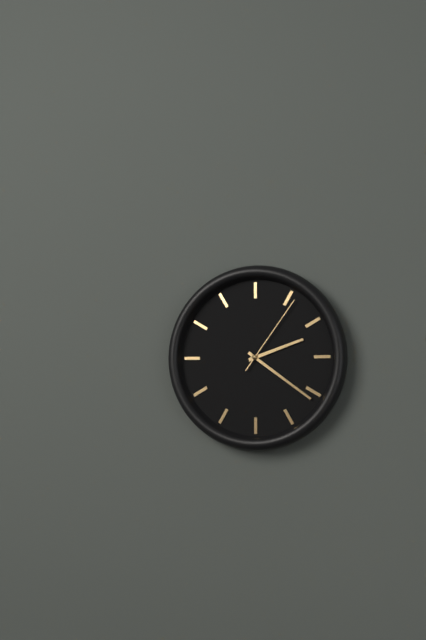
h=2 m=21 s=6
